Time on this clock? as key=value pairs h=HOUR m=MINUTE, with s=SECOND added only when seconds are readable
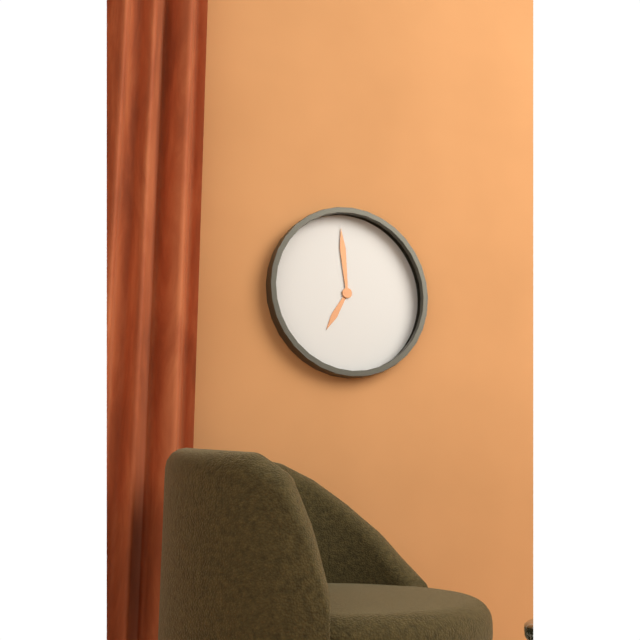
h=6 m=59
